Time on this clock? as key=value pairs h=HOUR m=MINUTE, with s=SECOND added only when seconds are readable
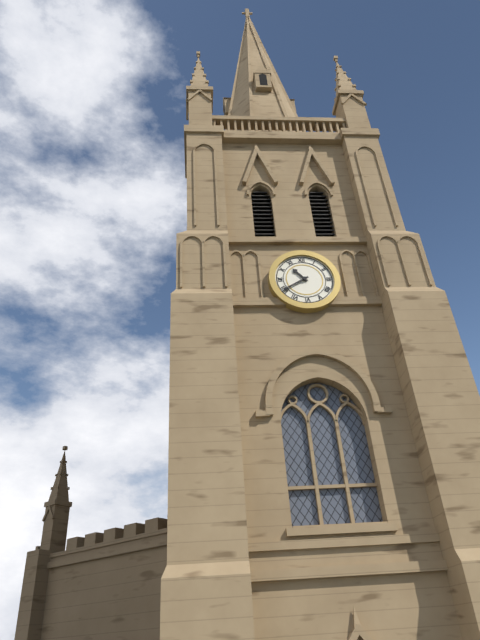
h=10 m=40
